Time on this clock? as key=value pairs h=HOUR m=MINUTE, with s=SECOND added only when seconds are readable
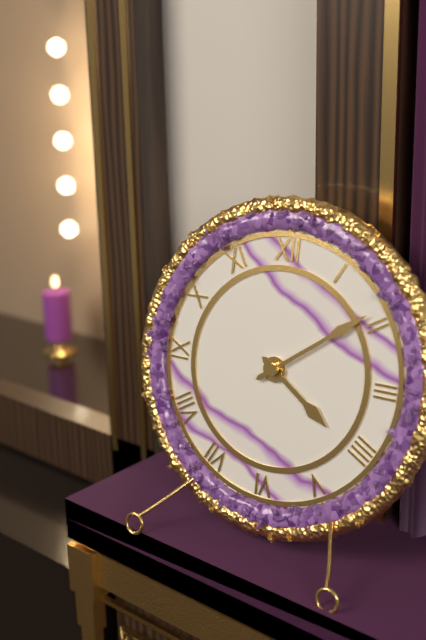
h=4 m=9
